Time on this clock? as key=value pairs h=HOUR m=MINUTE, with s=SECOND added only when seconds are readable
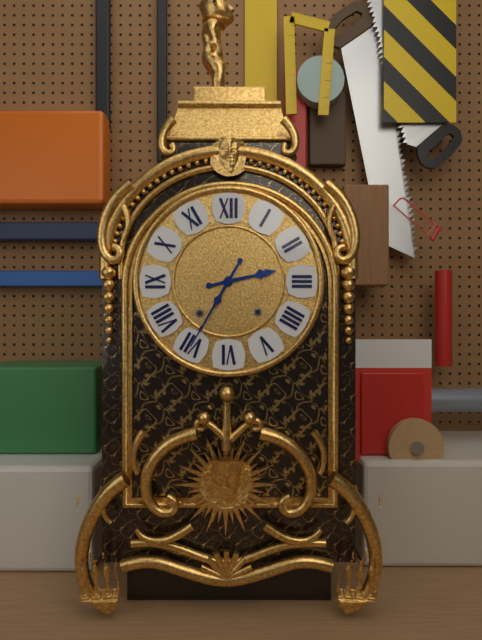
h=2 m=35
